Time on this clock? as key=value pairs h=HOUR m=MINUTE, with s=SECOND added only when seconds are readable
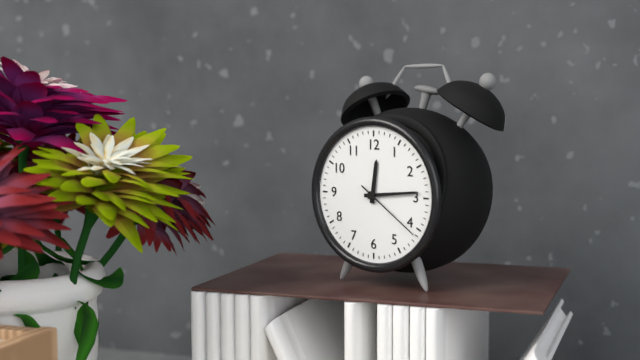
h=12 m=14 s=21
